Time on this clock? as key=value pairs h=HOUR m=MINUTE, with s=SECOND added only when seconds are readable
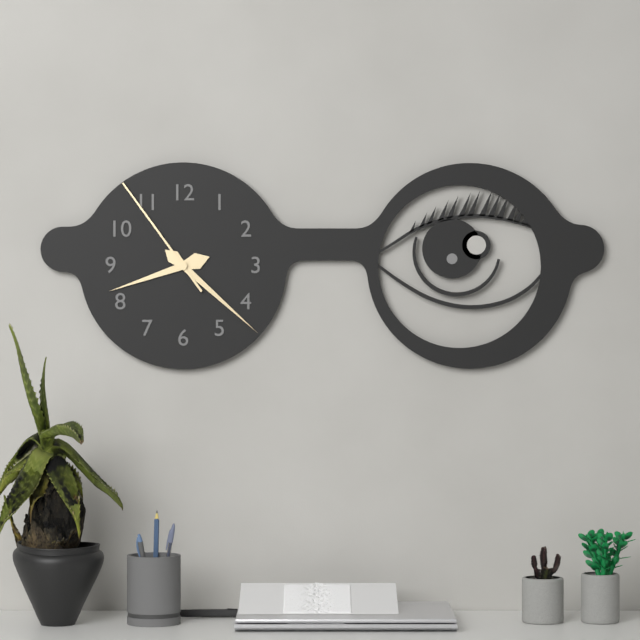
h=8 m=22 s=54
